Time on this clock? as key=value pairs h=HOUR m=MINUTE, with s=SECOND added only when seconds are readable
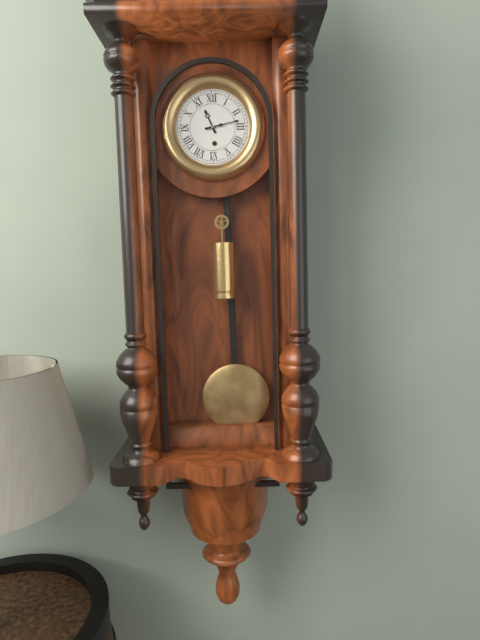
h=11 m=13
